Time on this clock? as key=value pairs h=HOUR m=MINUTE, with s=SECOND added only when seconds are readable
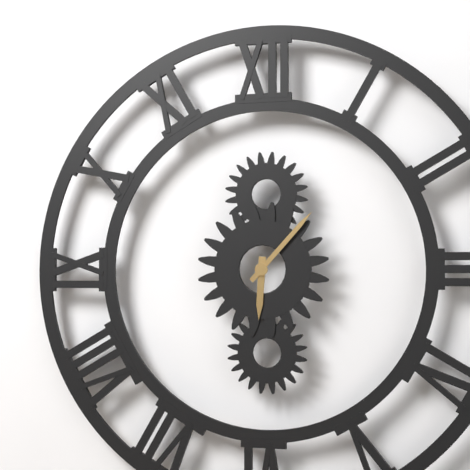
h=6 m=7
